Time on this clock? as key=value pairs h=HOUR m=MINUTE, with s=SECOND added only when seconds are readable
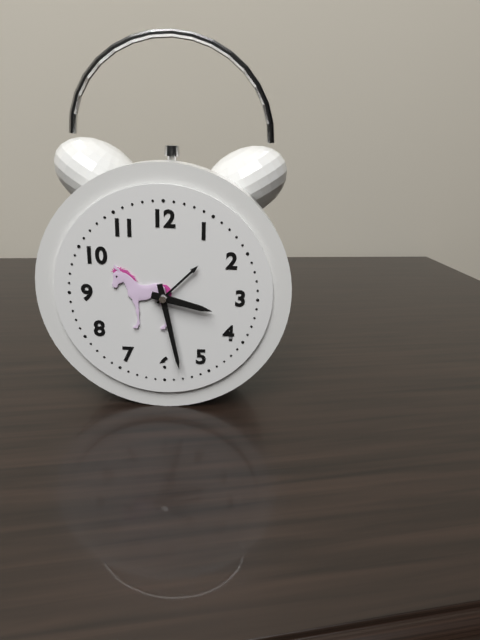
h=3 m=28
